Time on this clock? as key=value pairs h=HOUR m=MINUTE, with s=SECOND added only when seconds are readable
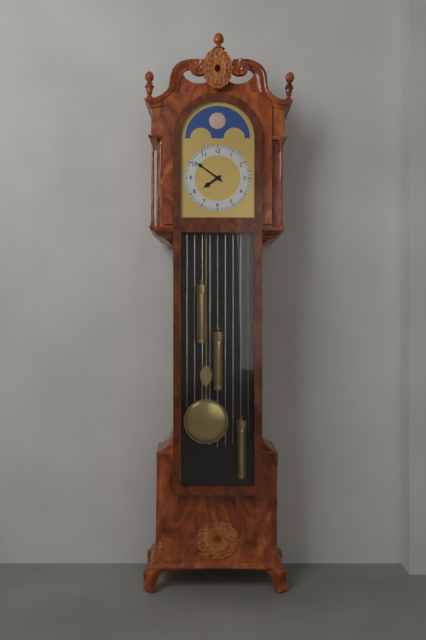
h=7 m=51
